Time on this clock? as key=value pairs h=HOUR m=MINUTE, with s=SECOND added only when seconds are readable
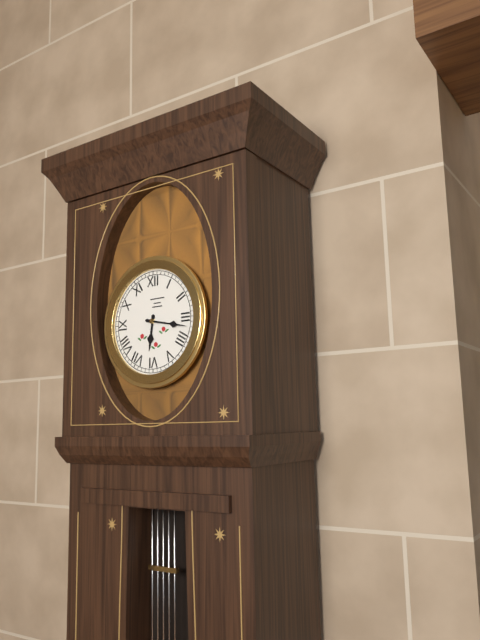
h=6 m=17
